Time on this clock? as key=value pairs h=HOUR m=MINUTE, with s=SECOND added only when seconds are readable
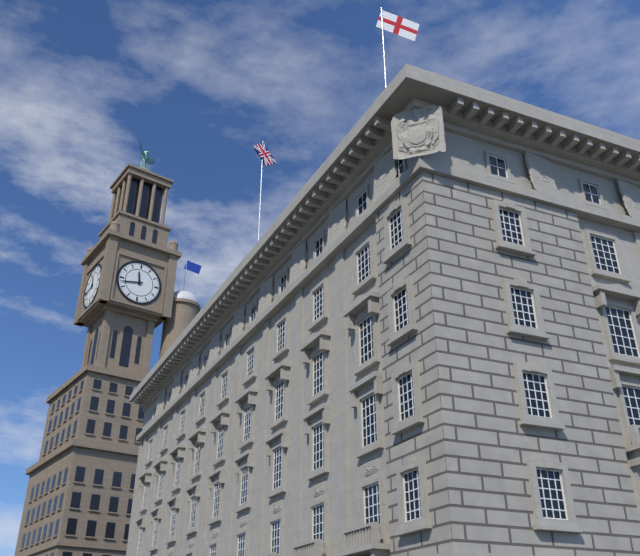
h=11 m=43
